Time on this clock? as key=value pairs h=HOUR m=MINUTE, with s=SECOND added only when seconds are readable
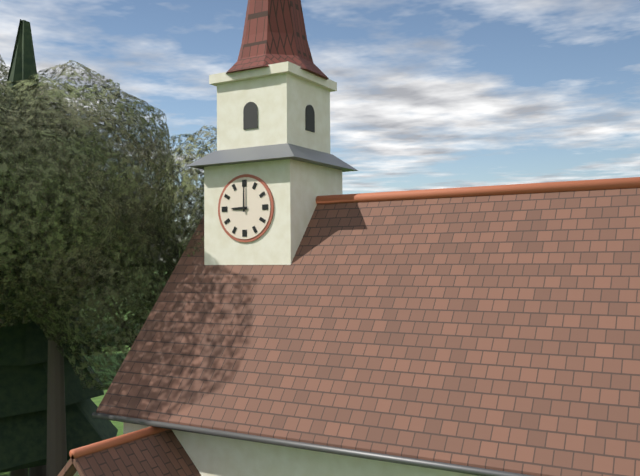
h=9 m=0
